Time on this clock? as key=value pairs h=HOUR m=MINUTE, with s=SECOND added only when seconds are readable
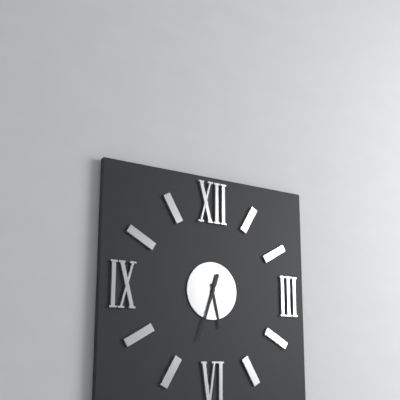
h=5 m=33
